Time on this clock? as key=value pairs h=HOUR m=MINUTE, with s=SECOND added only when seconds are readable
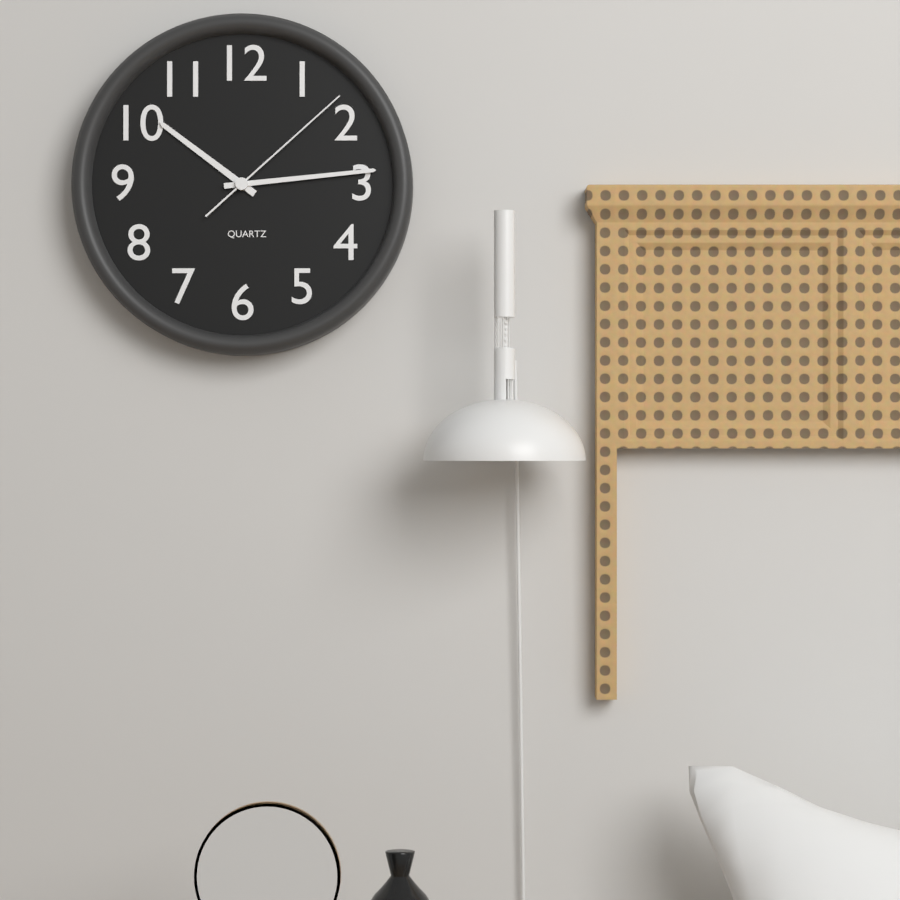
h=10 m=14 s=8
